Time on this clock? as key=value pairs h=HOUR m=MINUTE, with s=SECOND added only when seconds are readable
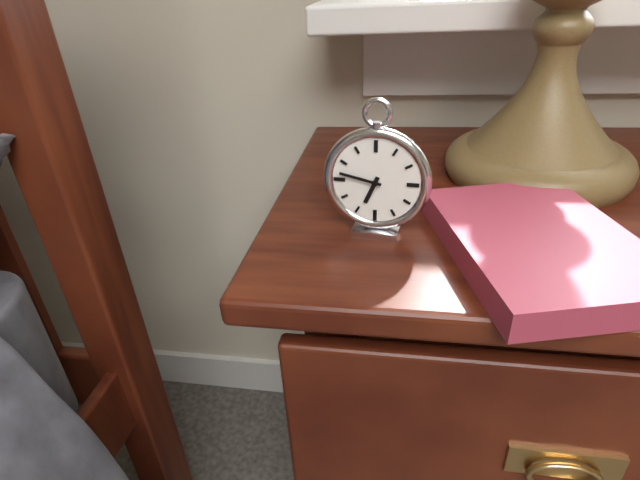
h=6 m=47
